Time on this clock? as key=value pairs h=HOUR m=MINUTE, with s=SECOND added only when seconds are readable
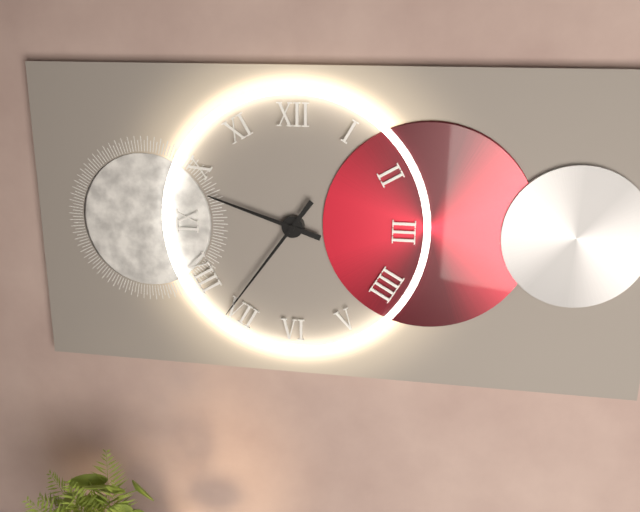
h=9 m=36
